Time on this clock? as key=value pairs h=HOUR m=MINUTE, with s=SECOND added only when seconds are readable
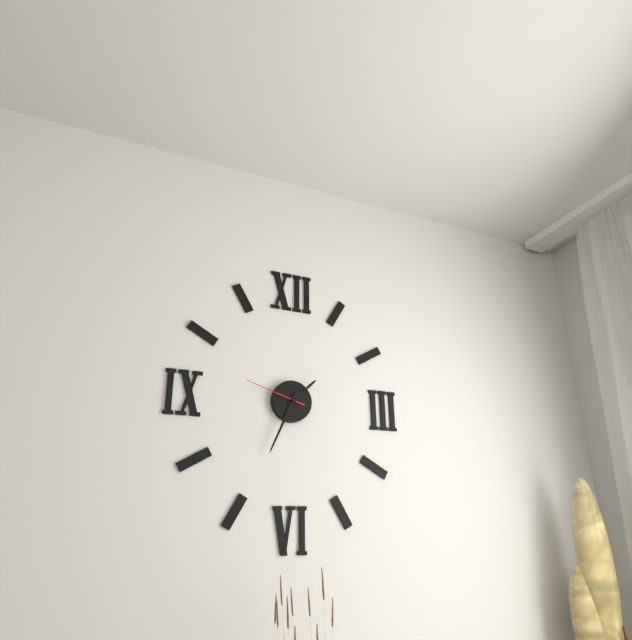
h=1 m=34 s=48
